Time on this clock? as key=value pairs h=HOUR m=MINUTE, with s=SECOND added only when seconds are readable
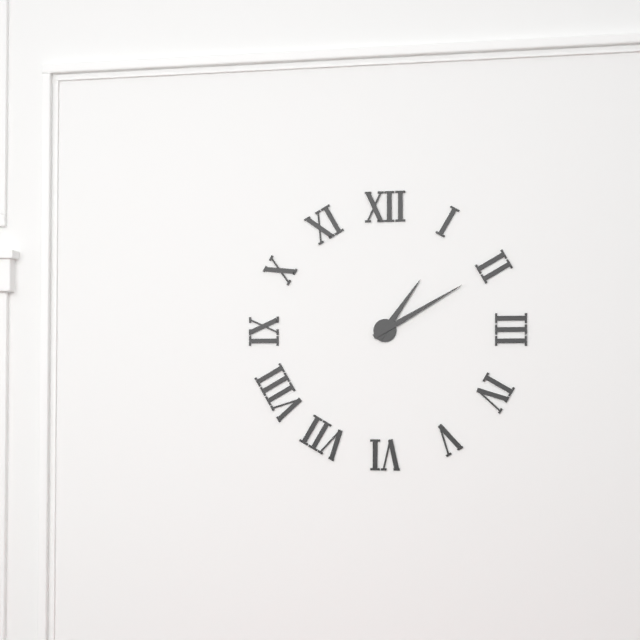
h=1 m=10
